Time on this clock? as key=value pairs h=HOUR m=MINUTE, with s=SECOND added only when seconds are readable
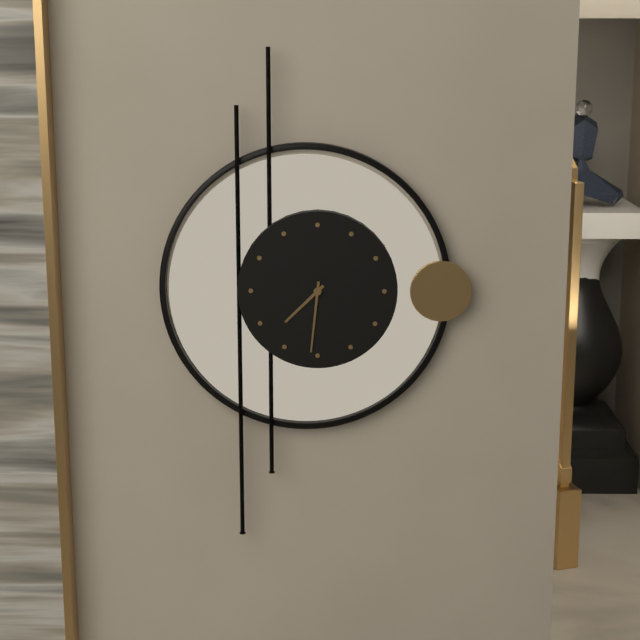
h=7 m=31
